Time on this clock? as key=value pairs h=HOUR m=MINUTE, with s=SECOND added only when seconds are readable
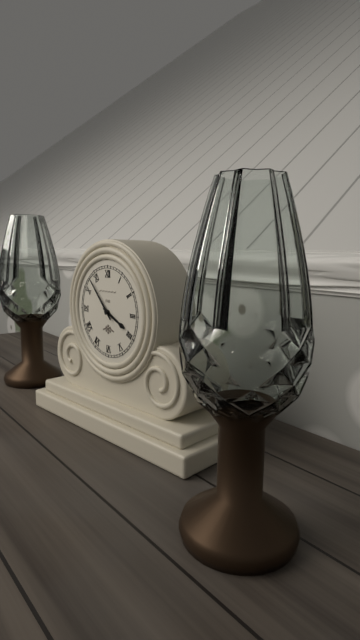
h=3 m=53
